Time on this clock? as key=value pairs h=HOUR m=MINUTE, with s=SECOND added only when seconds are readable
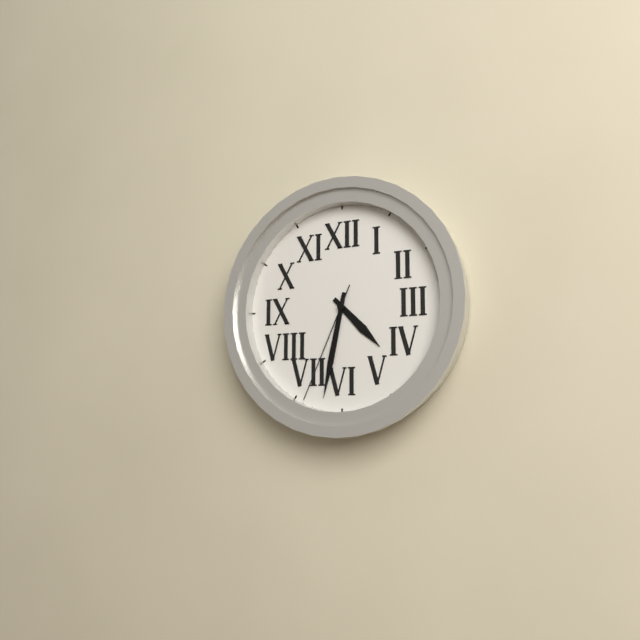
h=4 m=32 s=34
